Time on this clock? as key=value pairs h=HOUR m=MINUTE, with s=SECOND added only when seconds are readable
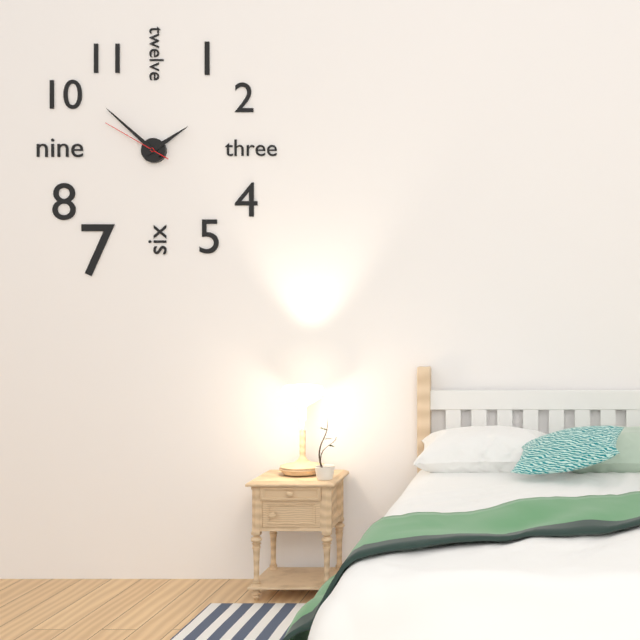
h=1 m=52 s=50
